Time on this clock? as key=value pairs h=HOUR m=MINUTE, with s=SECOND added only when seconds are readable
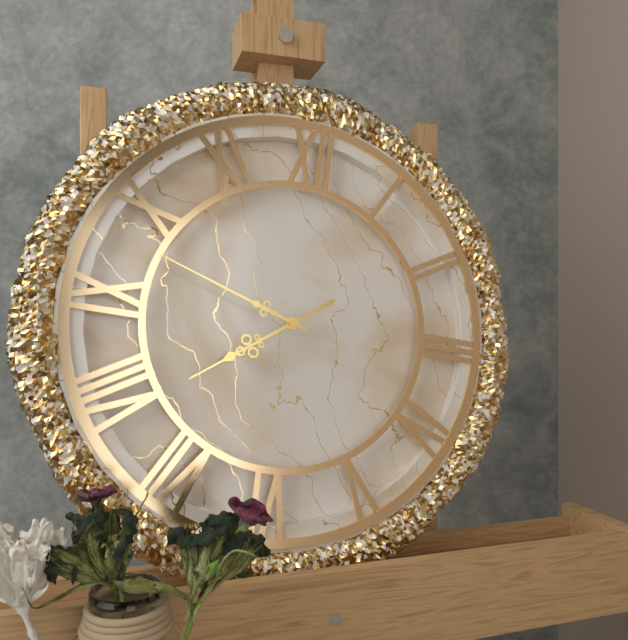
h=7 m=48
